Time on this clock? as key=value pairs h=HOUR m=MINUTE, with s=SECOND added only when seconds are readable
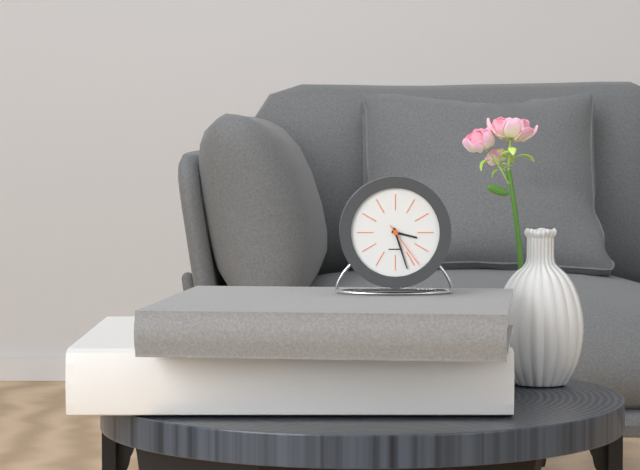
h=3 m=27 s=24
